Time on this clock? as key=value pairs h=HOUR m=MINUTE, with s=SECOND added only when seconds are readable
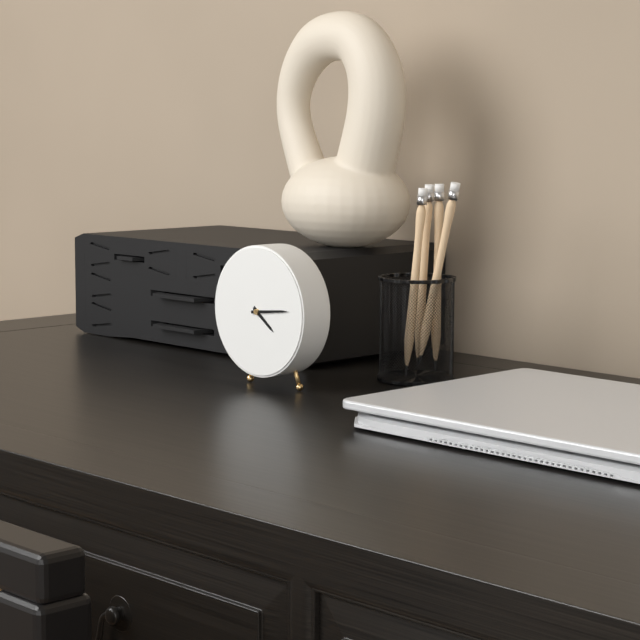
h=4 m=14
